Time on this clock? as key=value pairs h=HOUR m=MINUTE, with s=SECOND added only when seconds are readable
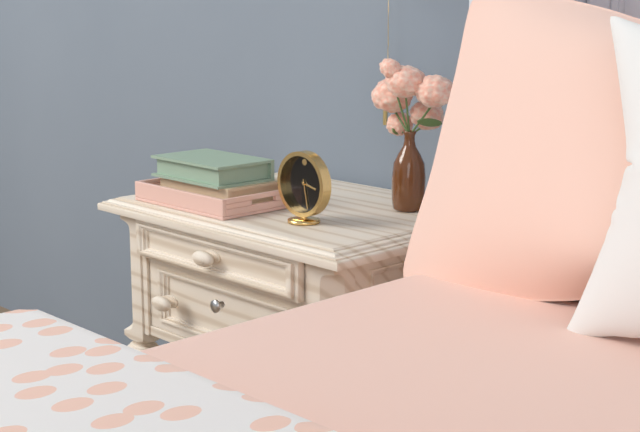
h=3 m=28
